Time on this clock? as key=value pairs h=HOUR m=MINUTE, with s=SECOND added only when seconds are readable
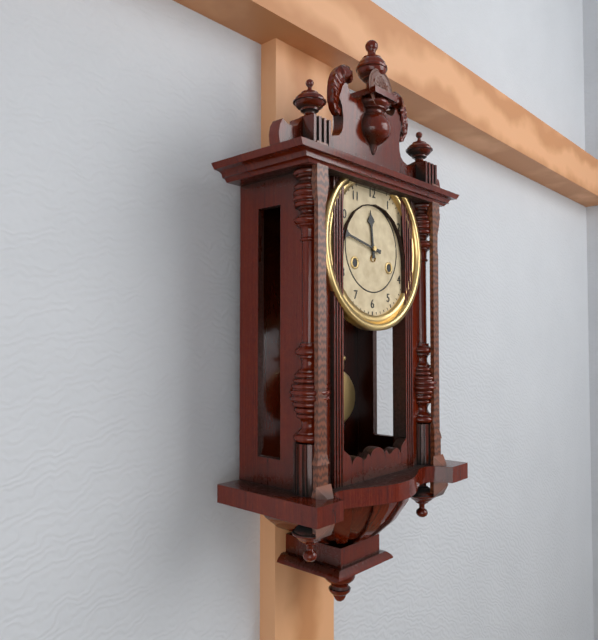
h=11 m=47
